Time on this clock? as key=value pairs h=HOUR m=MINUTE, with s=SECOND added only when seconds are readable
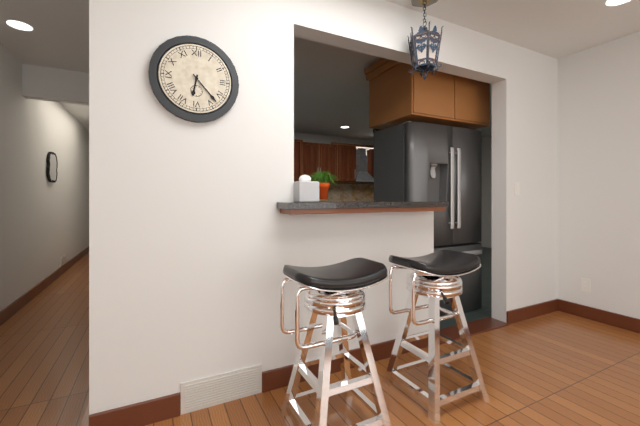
h=6 m=23
